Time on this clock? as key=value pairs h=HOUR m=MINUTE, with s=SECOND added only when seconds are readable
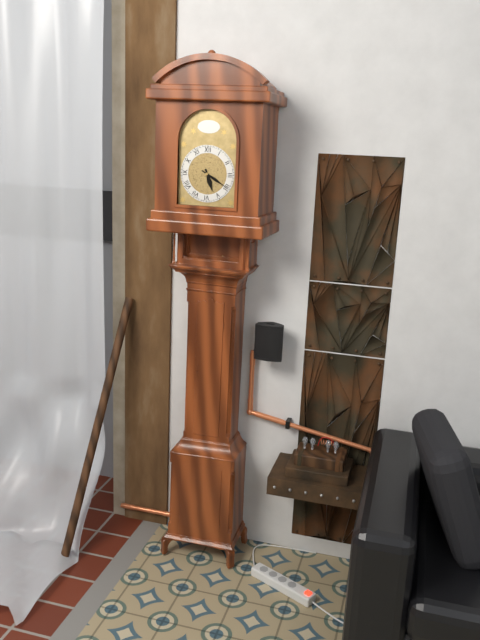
h=5 m=20
